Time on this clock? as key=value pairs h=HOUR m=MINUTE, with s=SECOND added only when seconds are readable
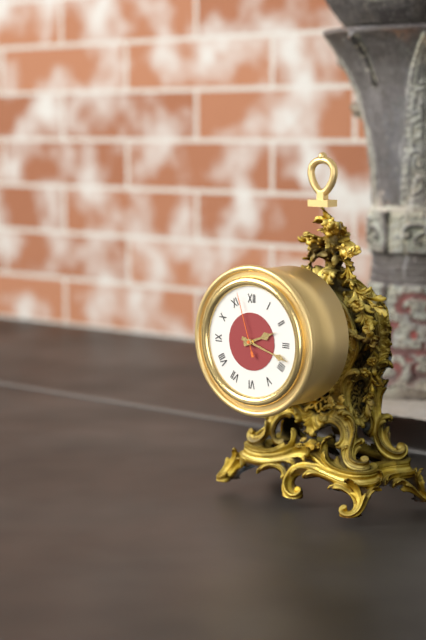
h=2 m=18 s=57
